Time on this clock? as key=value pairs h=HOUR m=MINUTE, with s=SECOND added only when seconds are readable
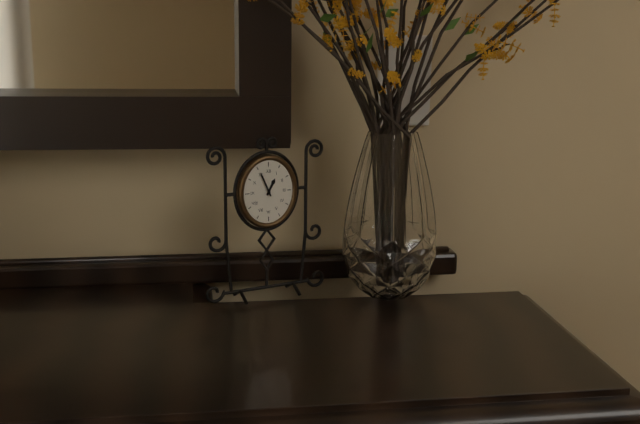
h=12 m=56
